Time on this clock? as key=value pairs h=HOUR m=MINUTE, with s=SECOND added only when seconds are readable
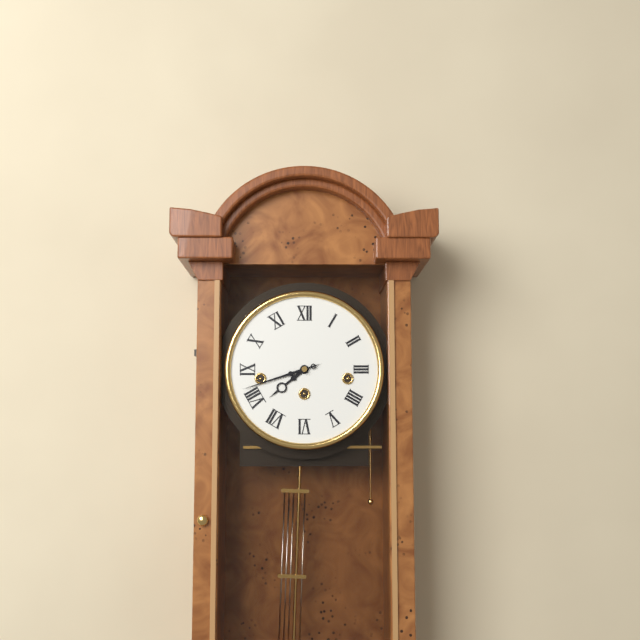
h=7 m=42
